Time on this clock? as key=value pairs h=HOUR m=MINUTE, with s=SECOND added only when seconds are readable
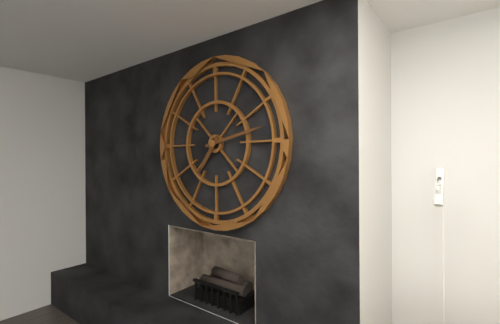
h=7 m=13
